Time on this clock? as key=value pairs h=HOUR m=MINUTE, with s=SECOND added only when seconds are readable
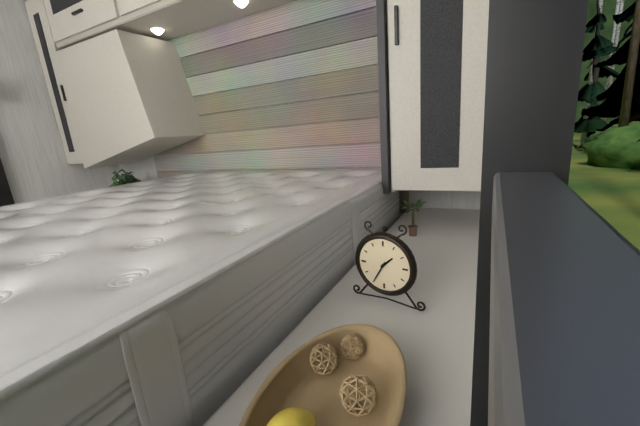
h=1 m=35
